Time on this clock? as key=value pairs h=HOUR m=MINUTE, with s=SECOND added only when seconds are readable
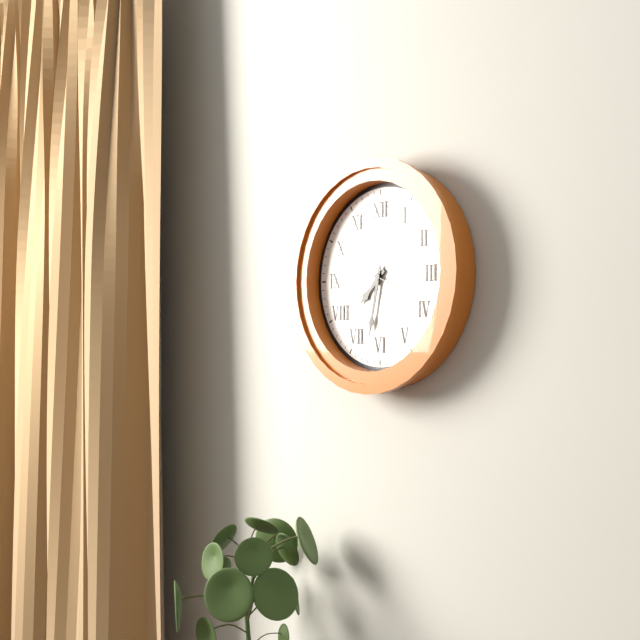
h=7 m=32 s=19
